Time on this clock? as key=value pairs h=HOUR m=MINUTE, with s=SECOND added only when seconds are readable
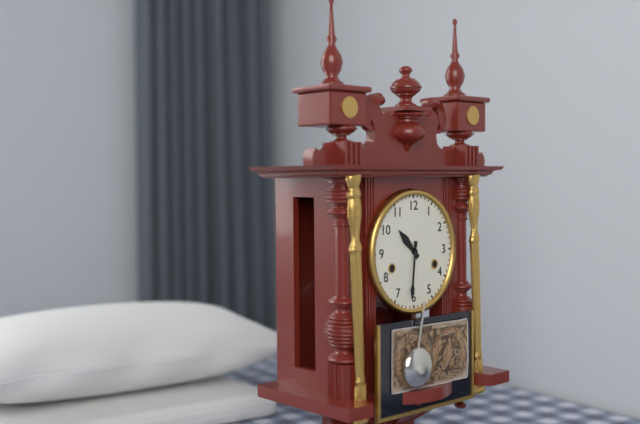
h=10 m=31
